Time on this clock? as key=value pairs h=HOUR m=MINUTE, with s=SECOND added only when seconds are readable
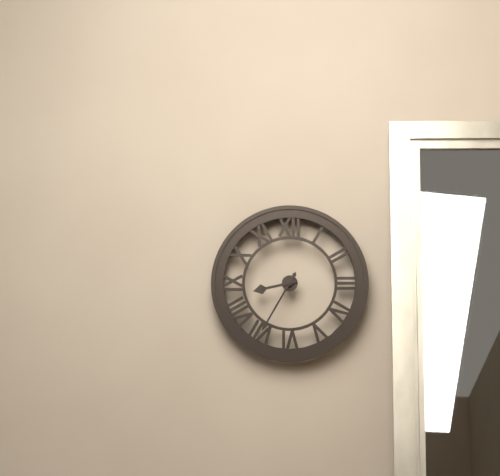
h=8 m=35
